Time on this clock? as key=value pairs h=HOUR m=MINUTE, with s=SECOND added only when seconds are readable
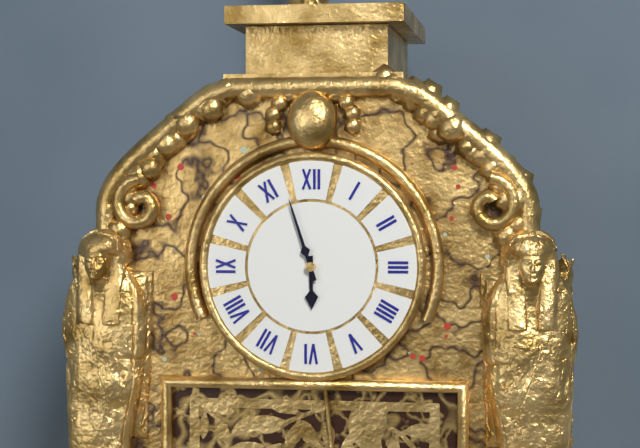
h=5 m=57
